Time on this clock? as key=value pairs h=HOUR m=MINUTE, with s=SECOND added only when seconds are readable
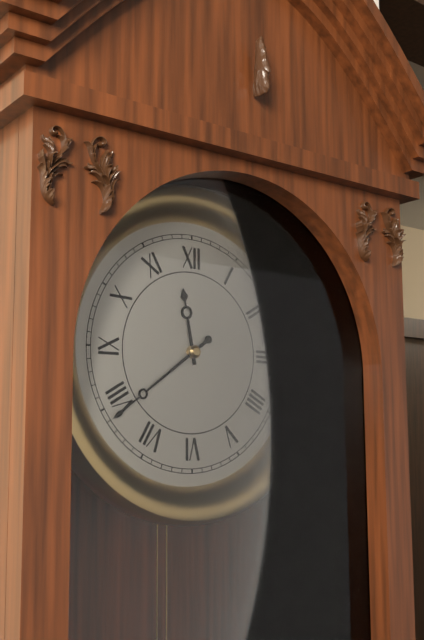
h=11 m=39
